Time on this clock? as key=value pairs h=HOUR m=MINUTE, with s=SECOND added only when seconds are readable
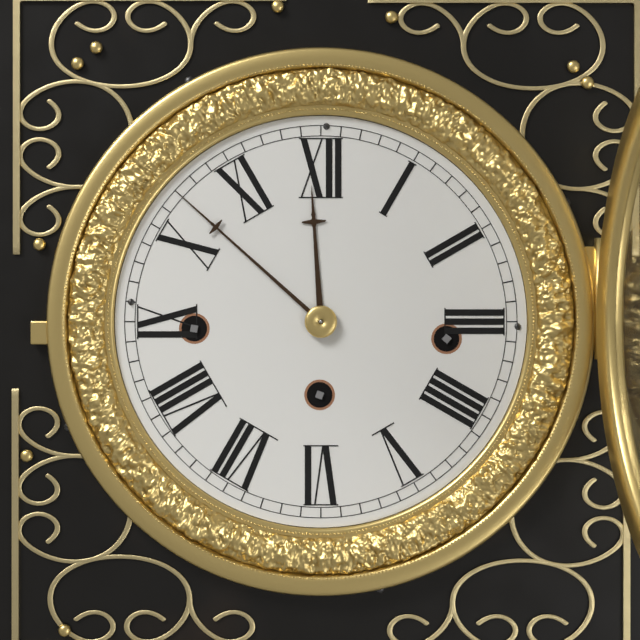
h=11 m=52
